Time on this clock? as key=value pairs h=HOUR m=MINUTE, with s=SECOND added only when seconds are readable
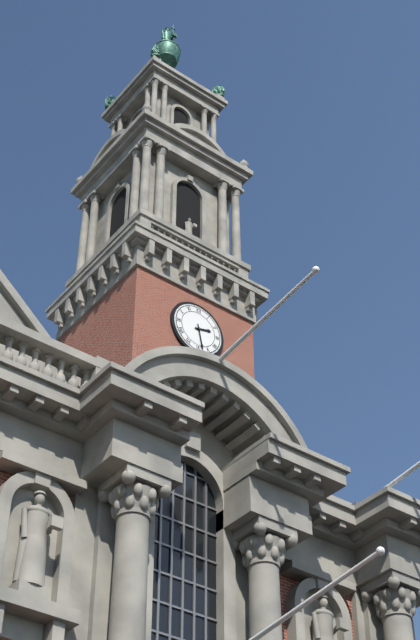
h=2 m=28
